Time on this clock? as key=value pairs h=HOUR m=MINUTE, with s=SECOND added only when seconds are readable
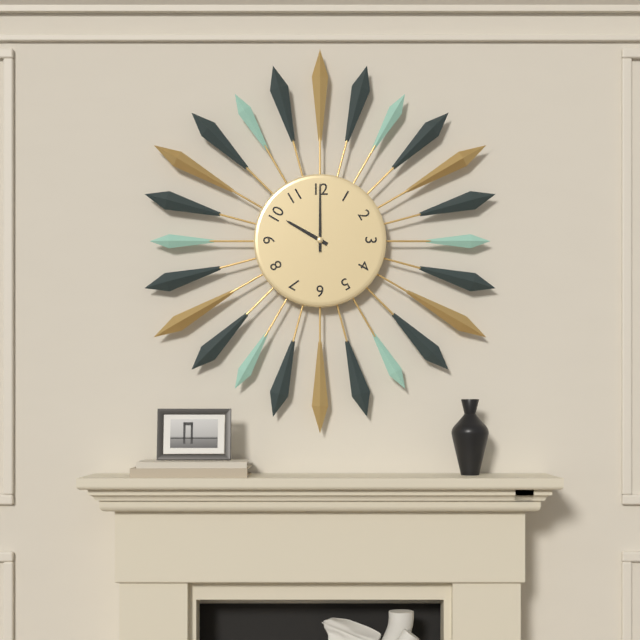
h=10 m=0
